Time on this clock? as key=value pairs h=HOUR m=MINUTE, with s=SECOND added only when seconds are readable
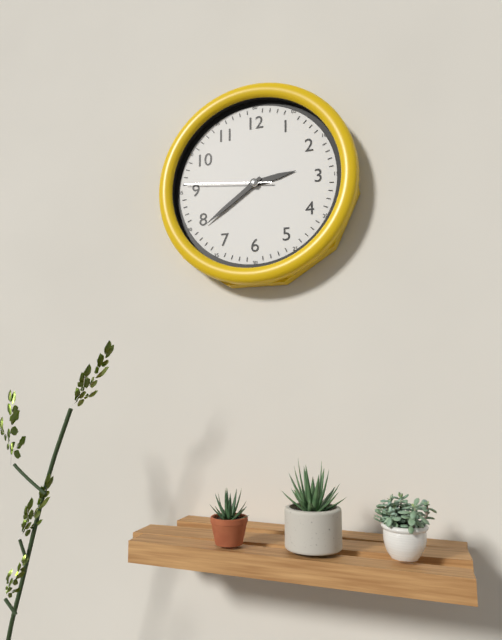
h=2 m=39 s=46
